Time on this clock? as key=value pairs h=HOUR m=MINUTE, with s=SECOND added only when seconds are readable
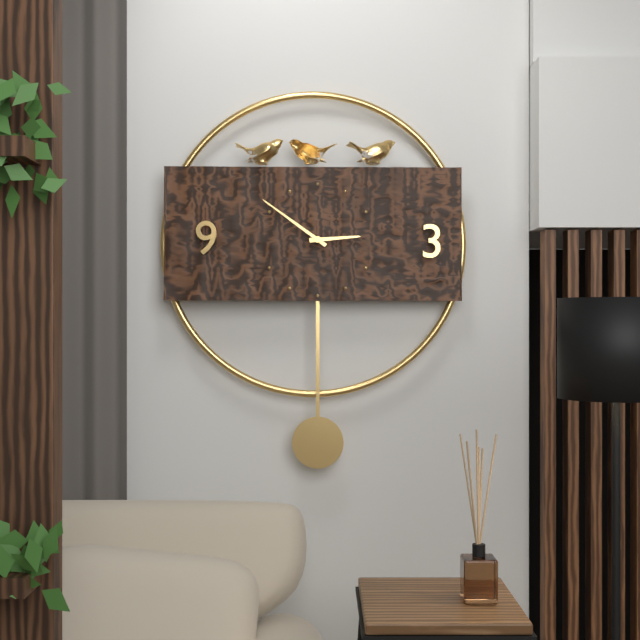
h=2 m=51
